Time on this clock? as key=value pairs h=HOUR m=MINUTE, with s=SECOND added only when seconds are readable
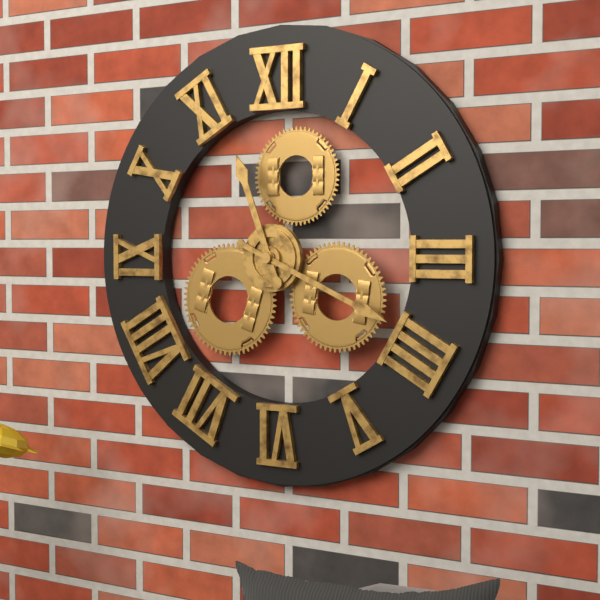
h=11 m=19
